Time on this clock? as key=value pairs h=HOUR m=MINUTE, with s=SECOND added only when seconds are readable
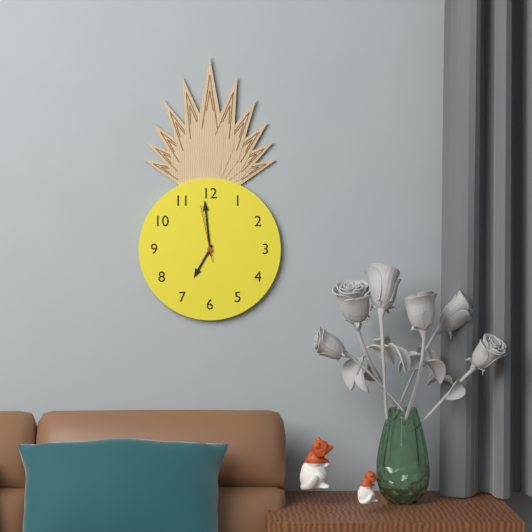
h=6 m=59 s=58
